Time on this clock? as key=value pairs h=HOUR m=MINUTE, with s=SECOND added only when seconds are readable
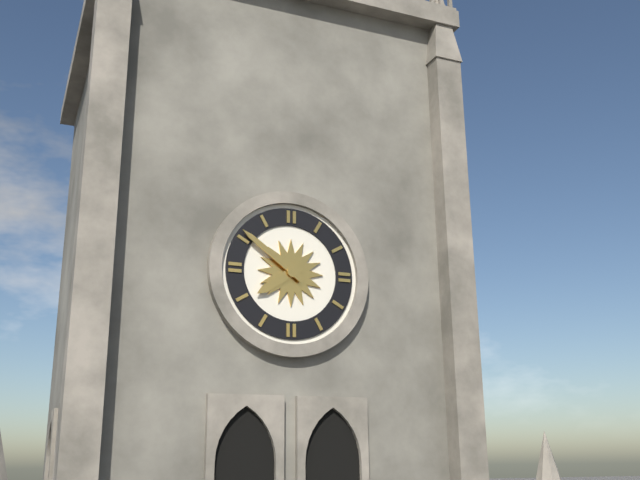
h=7 m=51
